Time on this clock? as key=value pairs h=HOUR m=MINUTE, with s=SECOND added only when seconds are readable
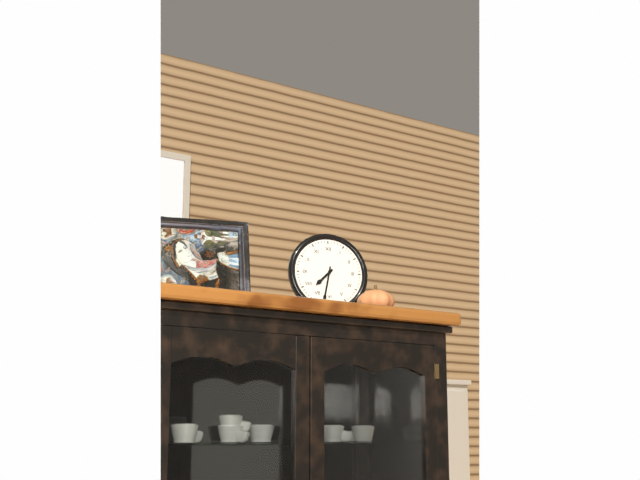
h=7 m=32
